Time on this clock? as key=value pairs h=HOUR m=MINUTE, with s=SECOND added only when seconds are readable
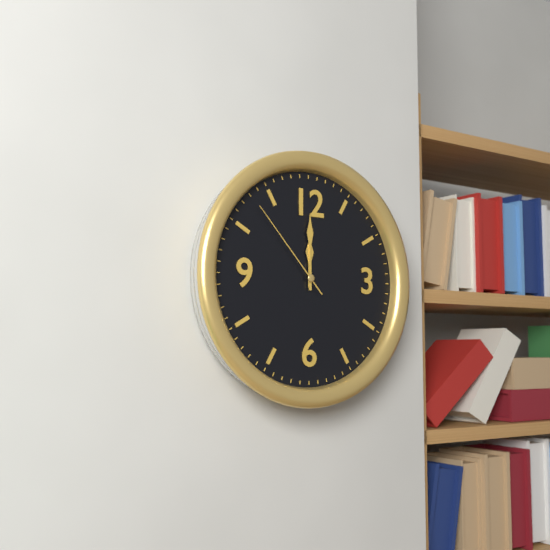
h=12 m=0 s=53
